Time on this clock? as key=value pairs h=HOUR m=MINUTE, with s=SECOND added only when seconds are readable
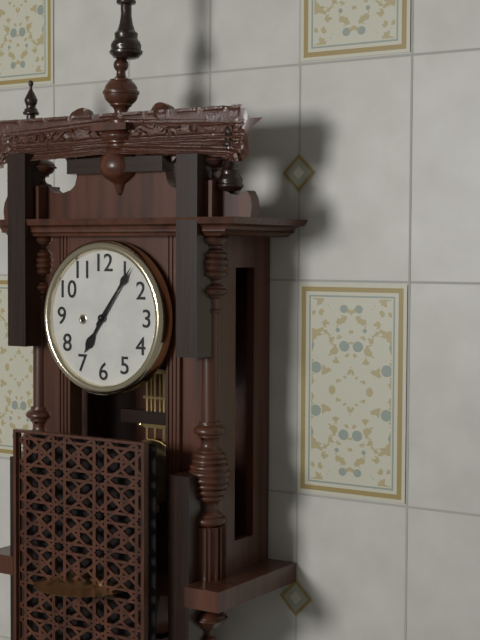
h=7 m=6
